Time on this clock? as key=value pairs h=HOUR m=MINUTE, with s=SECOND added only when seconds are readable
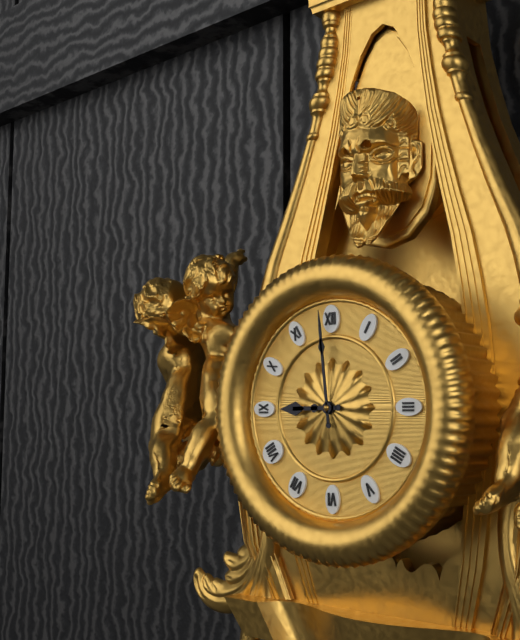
h=8 m=59
